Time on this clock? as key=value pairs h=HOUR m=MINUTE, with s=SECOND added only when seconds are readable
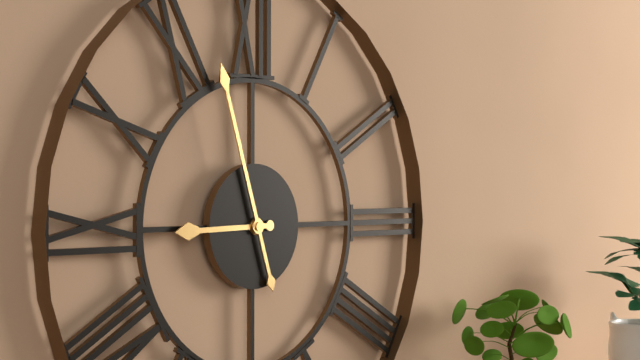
h=8 m=57
